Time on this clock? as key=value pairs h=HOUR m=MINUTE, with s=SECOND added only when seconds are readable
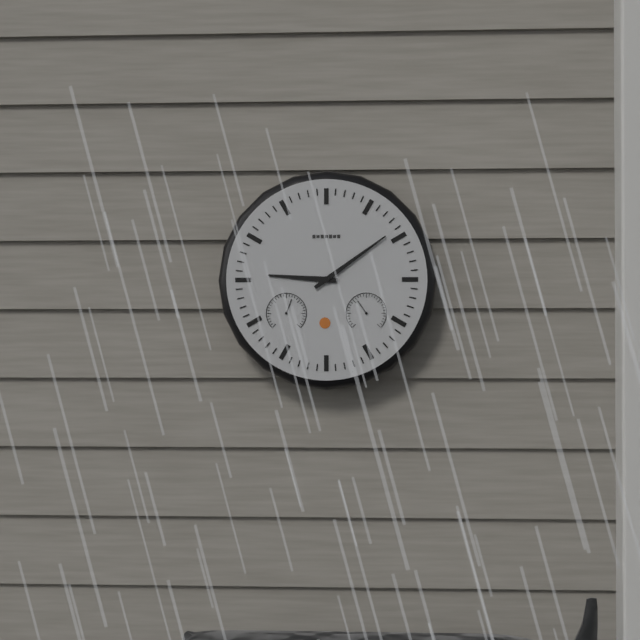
h=9 m=9
